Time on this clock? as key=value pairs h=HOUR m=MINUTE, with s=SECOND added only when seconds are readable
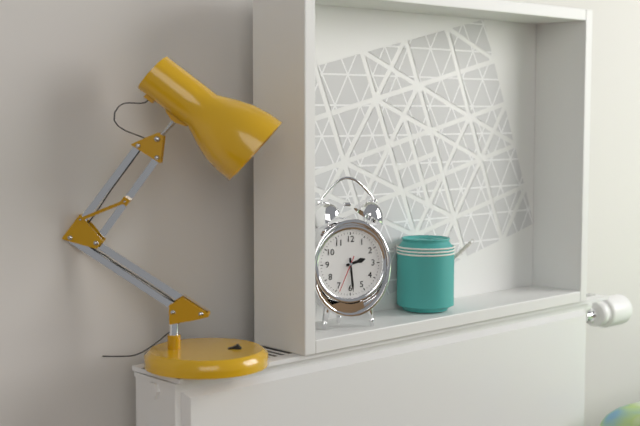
h=2 m=29
